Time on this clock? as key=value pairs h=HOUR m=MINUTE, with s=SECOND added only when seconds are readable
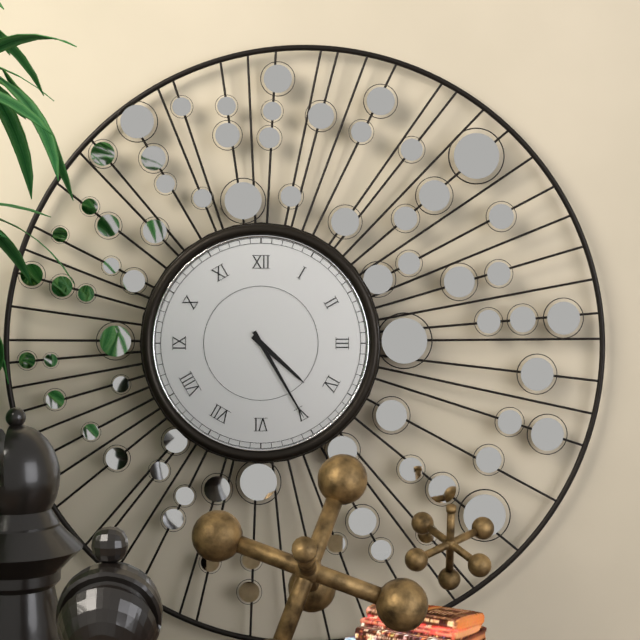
h=4 m=25
